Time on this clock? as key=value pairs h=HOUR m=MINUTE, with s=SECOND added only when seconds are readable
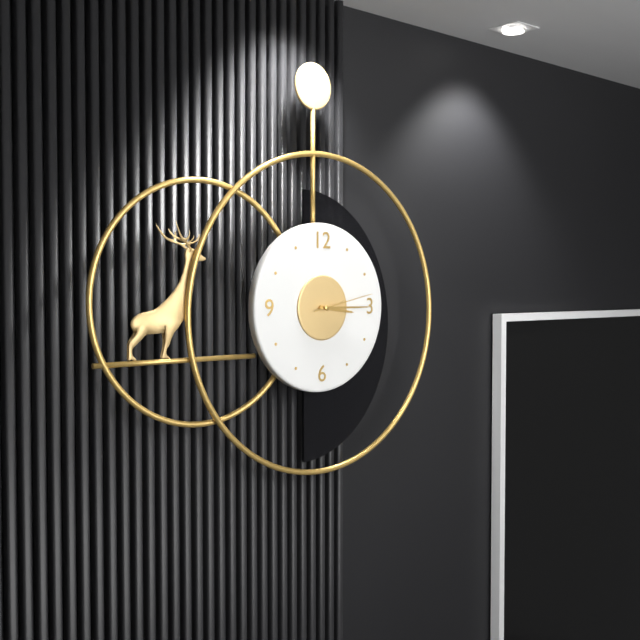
h=3 m=15 s=13
